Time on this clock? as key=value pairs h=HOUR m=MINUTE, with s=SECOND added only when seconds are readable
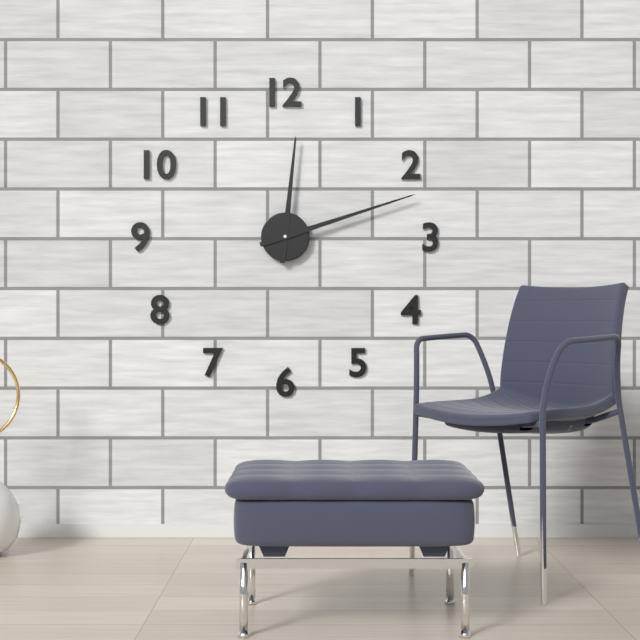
h=12 m=12
